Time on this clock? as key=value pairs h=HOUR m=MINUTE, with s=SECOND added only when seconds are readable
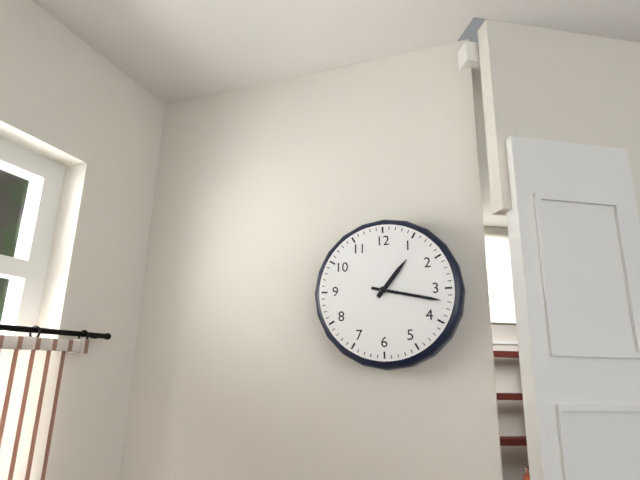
h=1 m=17
